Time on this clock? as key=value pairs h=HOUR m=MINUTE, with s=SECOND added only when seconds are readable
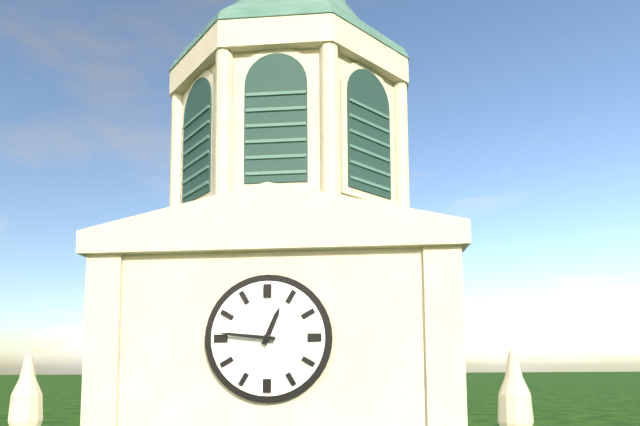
h=12 m=46
